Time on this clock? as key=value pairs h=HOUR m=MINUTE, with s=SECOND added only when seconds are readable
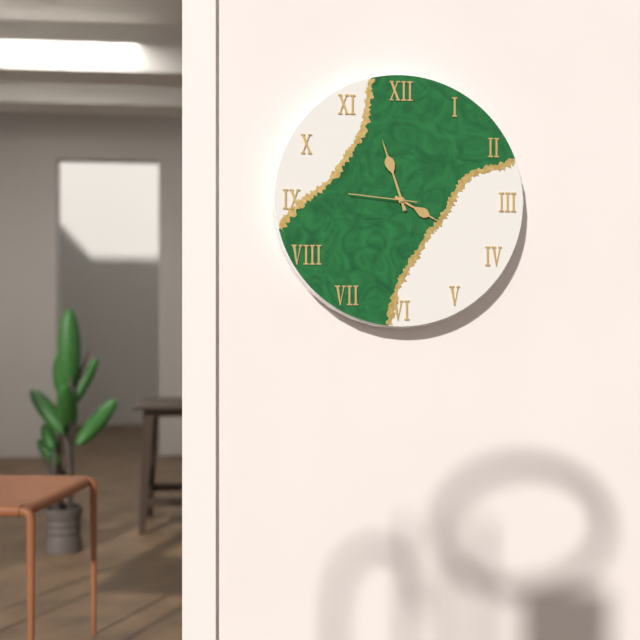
h=3 m=57 s=46
